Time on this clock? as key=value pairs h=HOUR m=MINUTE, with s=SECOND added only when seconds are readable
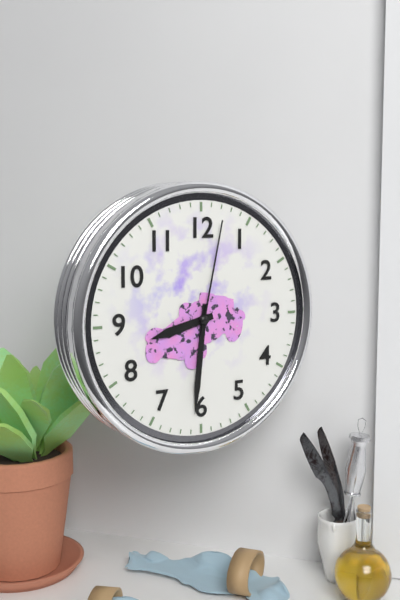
h=8 m=31 s=2
